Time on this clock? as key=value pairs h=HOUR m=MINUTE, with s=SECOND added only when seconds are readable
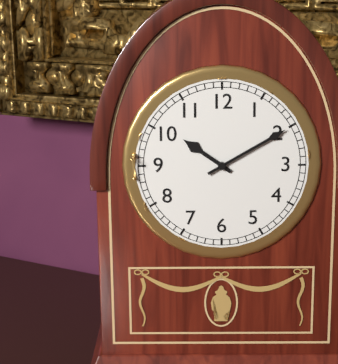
h=10 m=10
